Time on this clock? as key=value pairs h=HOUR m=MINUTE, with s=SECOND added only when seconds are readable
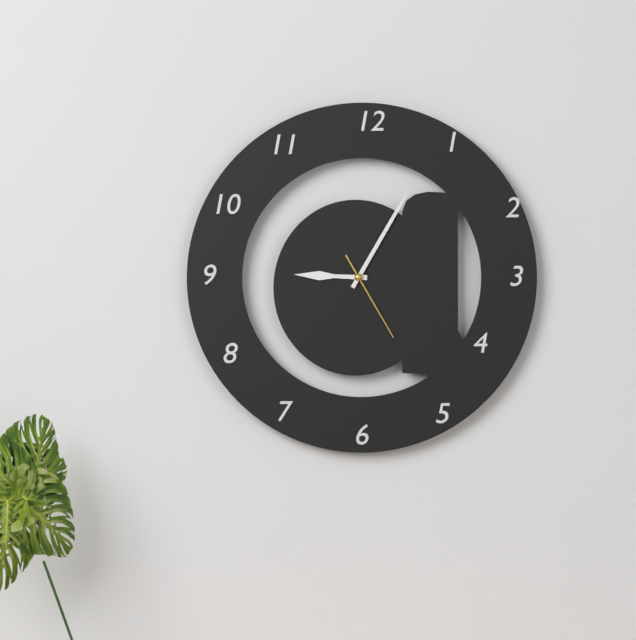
h=9 m=5 s=25
